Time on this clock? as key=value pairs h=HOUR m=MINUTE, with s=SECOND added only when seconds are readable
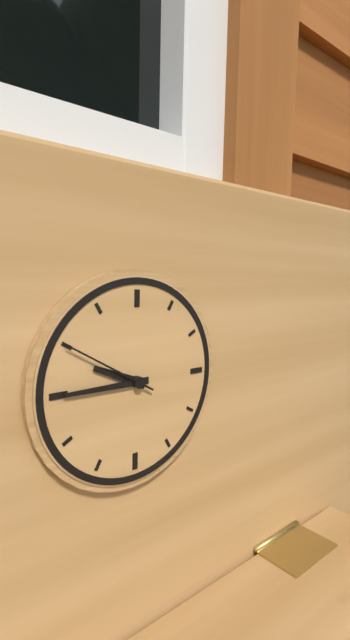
h=9 m=45 s=50
